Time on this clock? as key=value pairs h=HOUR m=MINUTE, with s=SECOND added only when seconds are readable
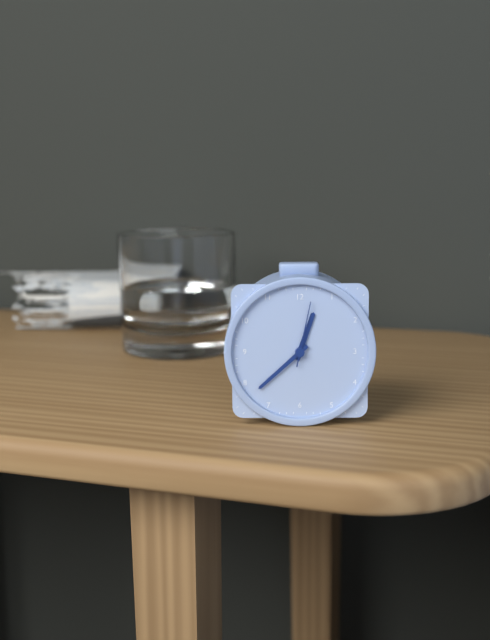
h=12 m=38 s=2
